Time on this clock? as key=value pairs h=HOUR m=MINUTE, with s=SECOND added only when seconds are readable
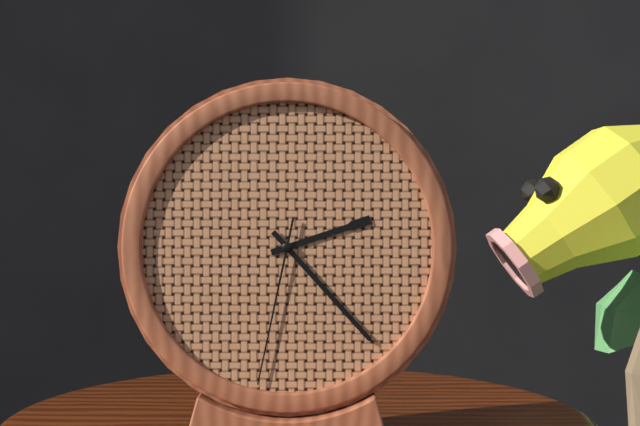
h=2 m=23 s=32
